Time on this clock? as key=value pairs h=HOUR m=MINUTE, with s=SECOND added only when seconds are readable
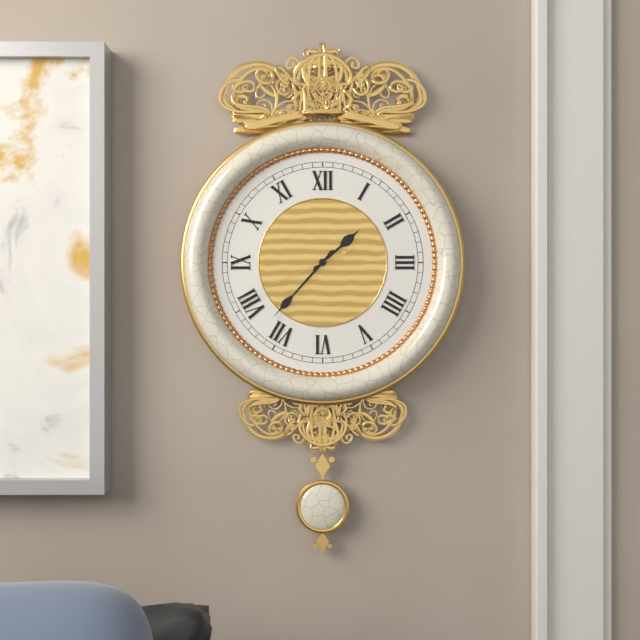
h=1 m=37 s=41
